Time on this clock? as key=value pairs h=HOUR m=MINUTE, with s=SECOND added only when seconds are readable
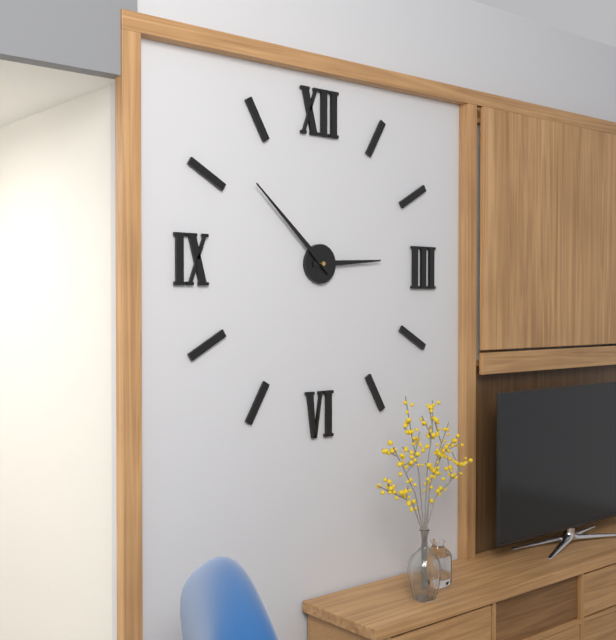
h=2 m=52
